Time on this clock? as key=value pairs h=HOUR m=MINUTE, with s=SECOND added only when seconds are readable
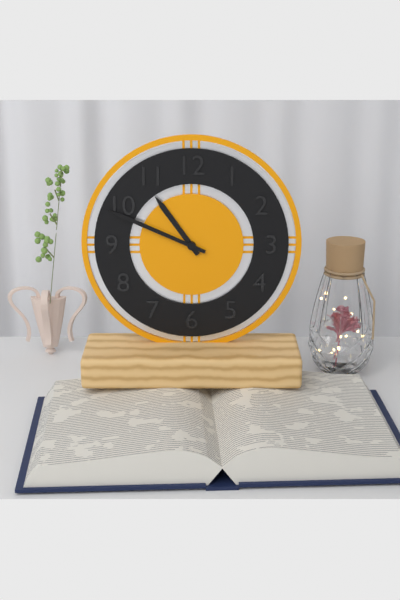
h=10 m=49
